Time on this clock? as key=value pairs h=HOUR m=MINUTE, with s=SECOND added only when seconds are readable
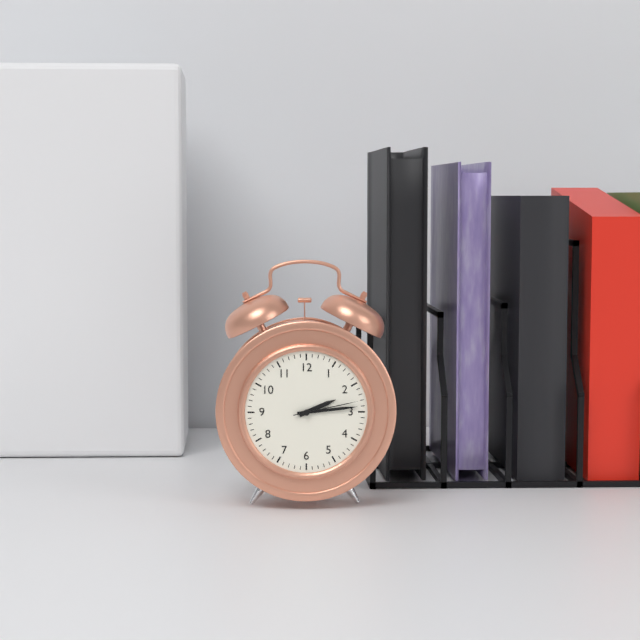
h=2 m=14 s=13
